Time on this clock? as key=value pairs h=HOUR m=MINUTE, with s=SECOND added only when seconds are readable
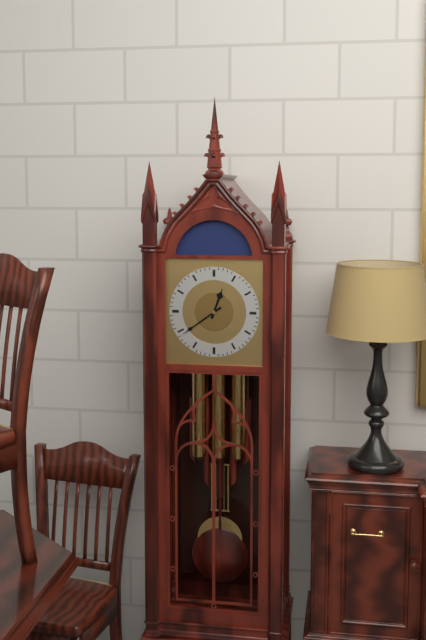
h=12 m=39
